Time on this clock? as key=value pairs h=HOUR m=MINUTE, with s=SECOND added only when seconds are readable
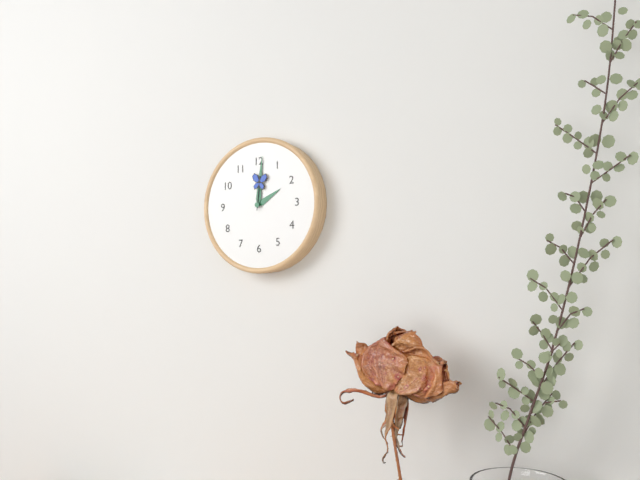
h=2 m=1
